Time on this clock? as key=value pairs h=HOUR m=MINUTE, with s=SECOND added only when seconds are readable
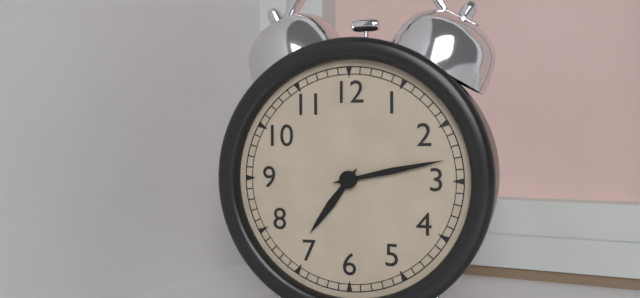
h=7 m=13
